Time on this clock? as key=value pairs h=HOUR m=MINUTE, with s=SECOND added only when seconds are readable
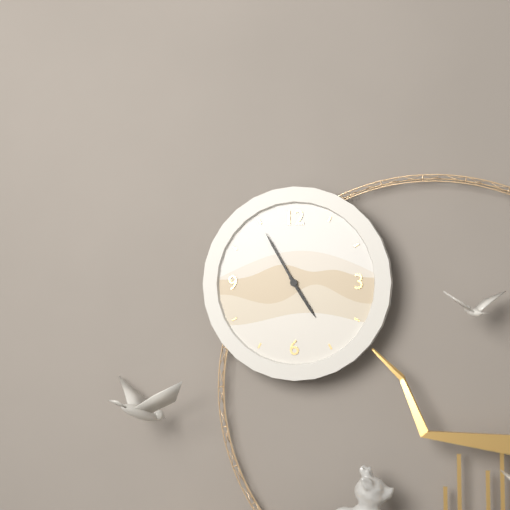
h=4 m=55
